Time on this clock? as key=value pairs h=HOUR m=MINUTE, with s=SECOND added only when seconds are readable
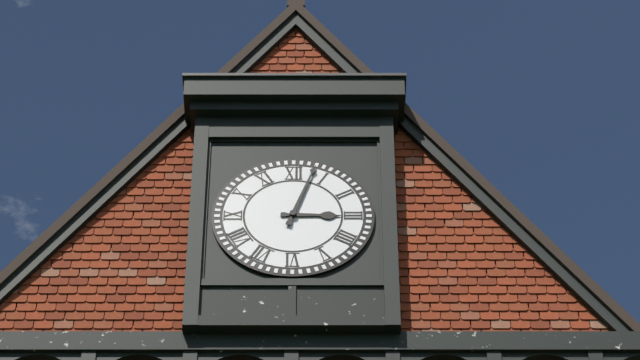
h=3 m=3
